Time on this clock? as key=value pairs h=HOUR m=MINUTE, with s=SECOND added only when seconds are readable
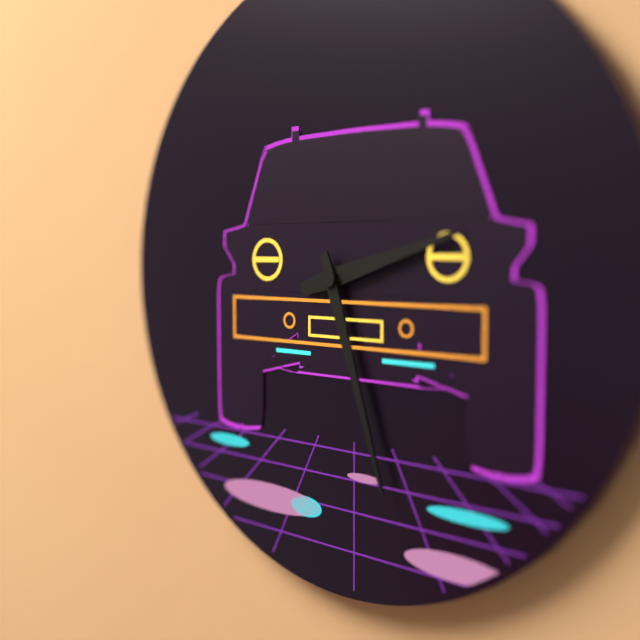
h=2 m=27
